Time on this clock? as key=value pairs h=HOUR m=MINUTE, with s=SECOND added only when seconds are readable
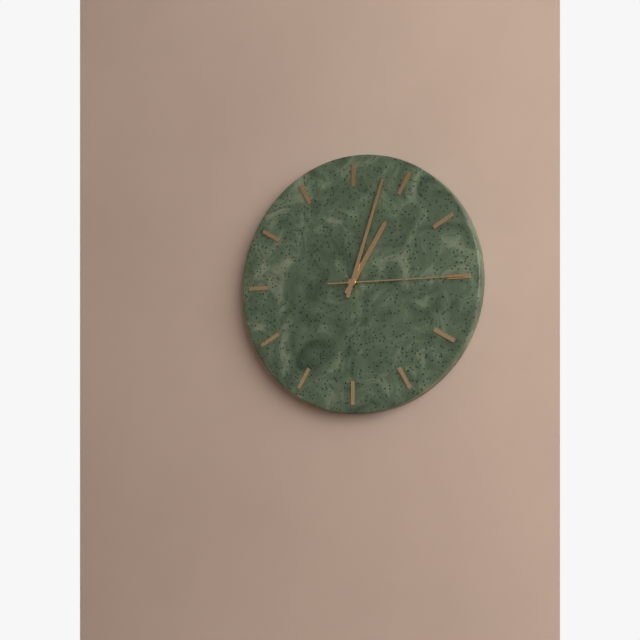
h=1 m=3 s=15
